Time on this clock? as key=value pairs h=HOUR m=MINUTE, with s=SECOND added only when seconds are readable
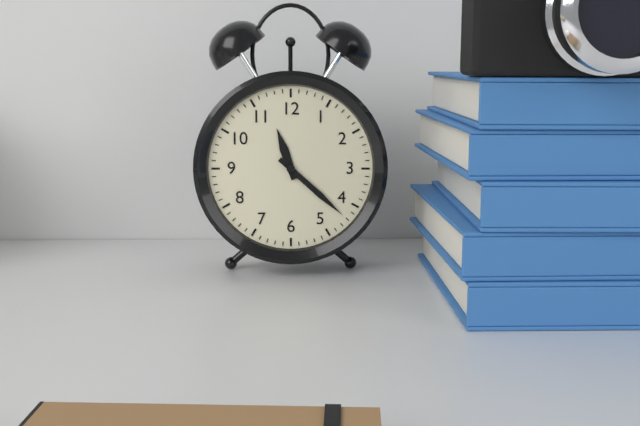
h=11 m=22
